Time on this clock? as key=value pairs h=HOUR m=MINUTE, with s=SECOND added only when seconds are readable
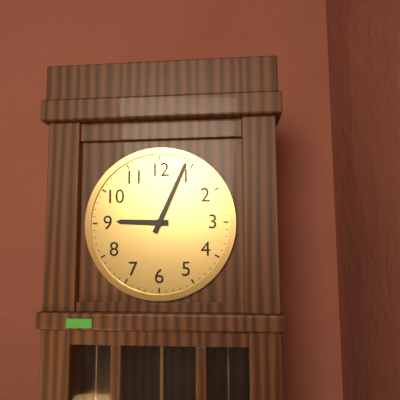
h=9 m=4
